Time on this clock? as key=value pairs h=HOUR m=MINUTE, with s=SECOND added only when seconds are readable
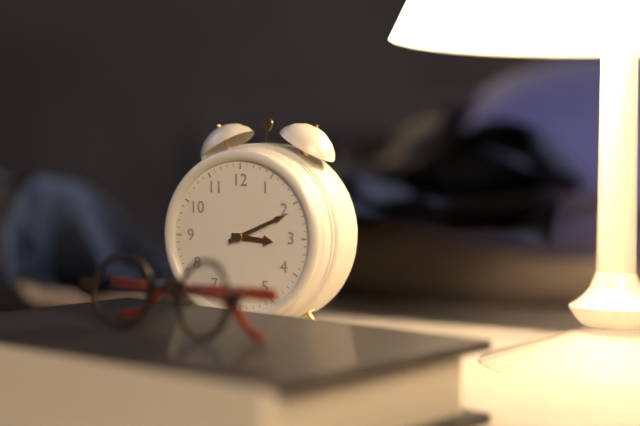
h=3 m=11
